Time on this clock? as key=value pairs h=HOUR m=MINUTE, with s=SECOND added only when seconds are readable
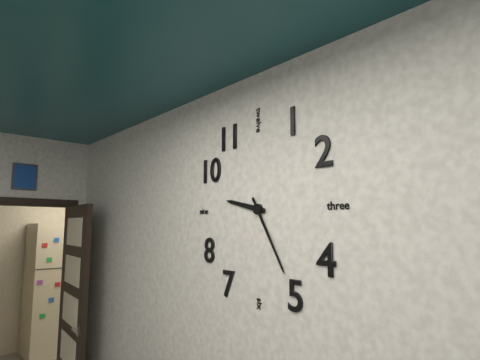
h=9 m=25
